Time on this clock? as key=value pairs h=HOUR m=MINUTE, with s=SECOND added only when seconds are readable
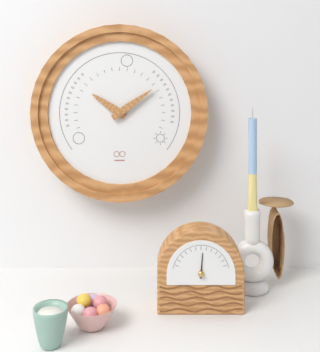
h=10 m=9
